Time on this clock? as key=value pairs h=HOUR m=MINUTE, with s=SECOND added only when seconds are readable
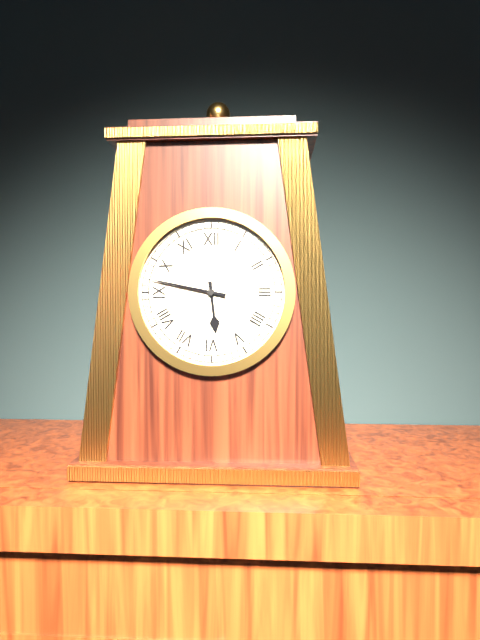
h=5 m=47
